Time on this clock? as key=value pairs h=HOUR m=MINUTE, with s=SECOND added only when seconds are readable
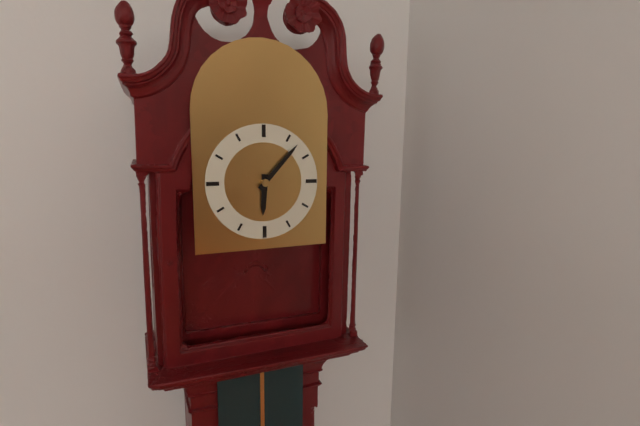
h=6 m=7
